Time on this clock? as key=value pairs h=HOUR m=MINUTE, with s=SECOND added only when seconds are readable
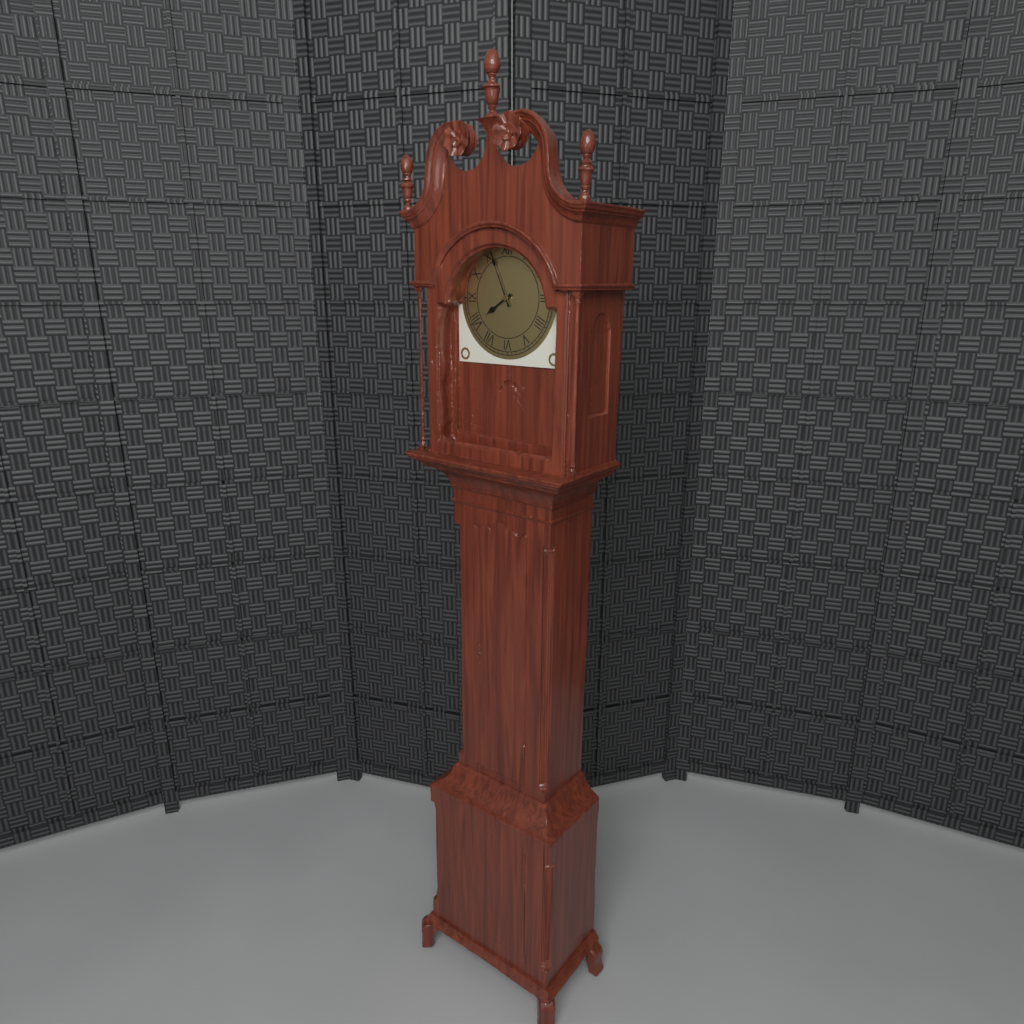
h=7 m=56
